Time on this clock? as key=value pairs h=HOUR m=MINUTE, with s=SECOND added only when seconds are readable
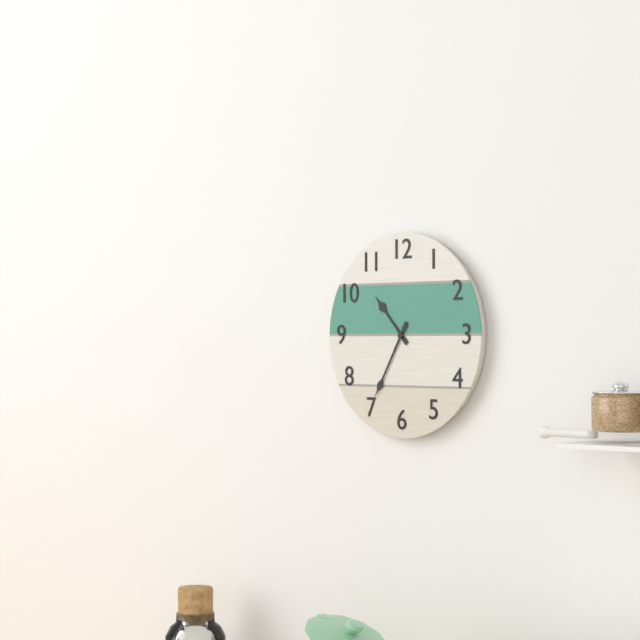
h=10 m=35
